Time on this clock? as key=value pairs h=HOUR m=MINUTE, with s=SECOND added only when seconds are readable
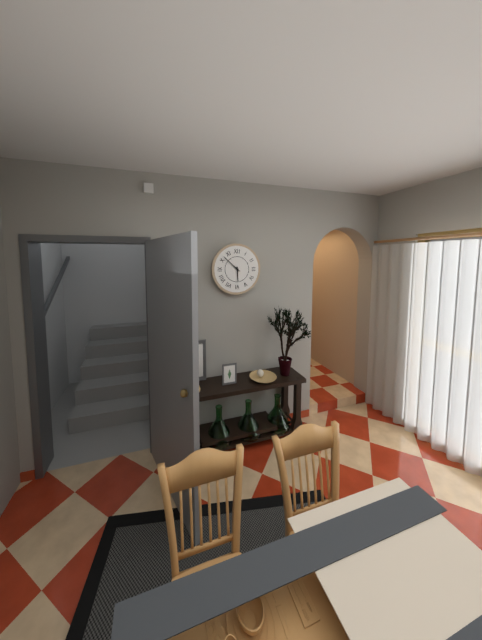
h=5 m=52
